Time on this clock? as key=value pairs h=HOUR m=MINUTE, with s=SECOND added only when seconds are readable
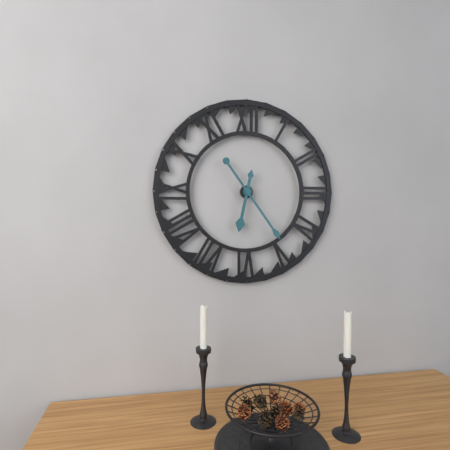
h=6 m=24
